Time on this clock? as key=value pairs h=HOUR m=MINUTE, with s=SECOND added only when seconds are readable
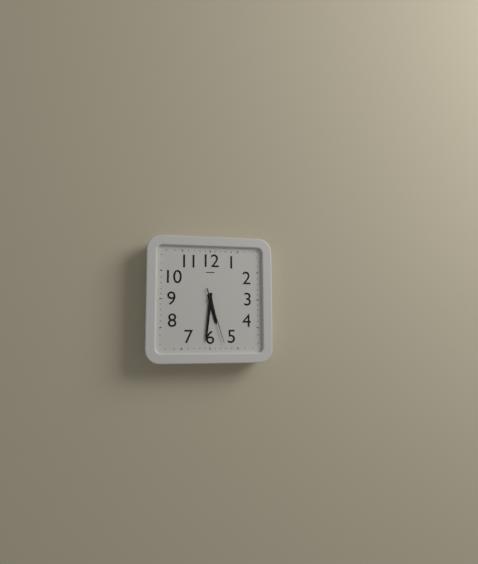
h=5 m=31 s=27
